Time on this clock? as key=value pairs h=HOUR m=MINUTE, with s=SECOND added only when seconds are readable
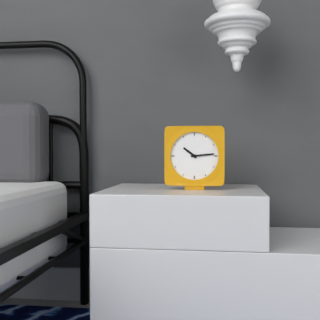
h=10 m=14
